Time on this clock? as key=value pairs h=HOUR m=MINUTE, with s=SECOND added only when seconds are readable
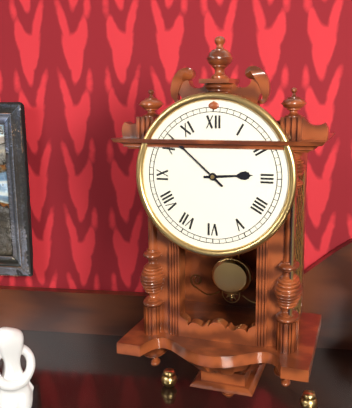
h=2 m=52
